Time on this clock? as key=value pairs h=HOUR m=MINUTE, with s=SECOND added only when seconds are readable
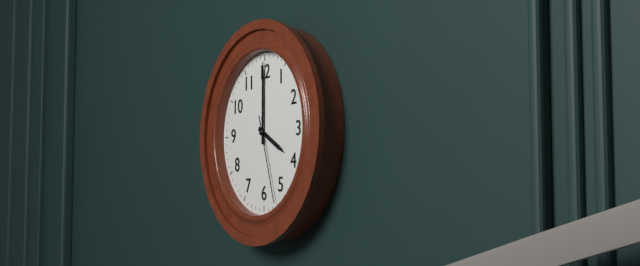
h=4 m=0 s=27
